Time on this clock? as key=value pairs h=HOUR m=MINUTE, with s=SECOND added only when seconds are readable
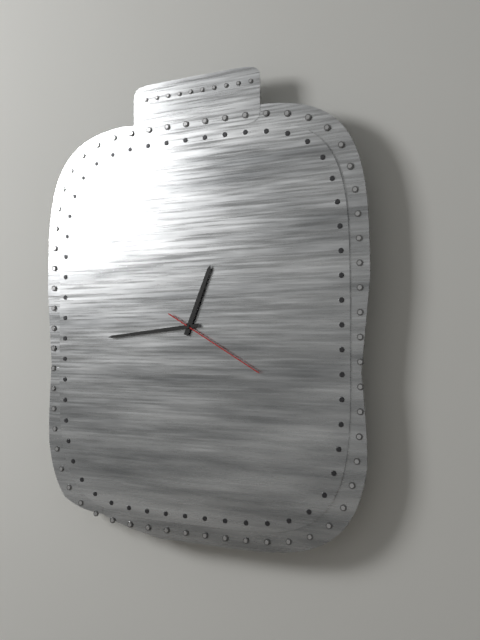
h=12 m=44 s=20
